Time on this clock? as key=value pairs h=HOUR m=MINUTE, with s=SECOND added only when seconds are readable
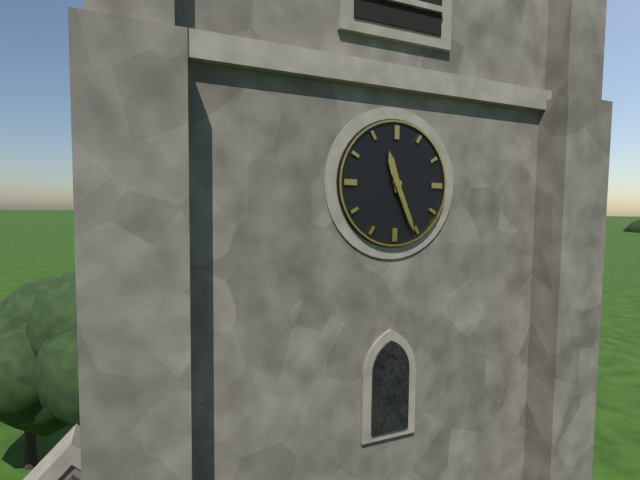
h=11 m=26
